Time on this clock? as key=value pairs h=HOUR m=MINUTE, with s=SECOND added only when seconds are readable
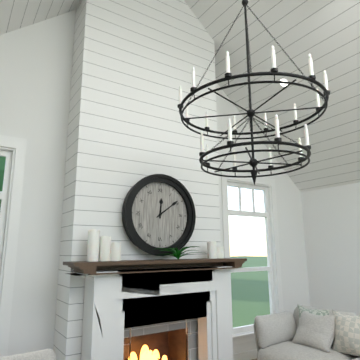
h=12 m=9
